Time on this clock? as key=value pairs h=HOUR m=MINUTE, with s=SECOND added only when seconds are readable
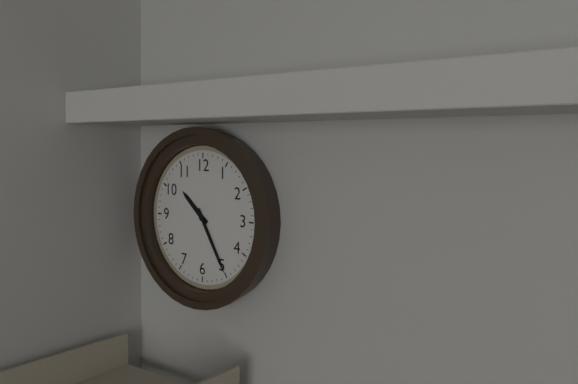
h=10 m=25
